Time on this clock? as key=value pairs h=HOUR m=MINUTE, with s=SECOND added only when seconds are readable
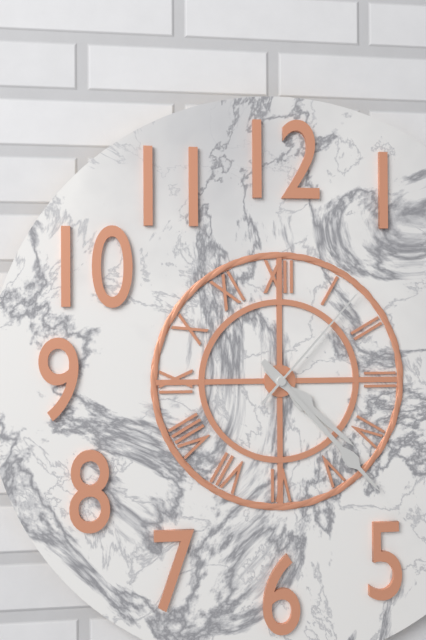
h=4 m=23 s=7
